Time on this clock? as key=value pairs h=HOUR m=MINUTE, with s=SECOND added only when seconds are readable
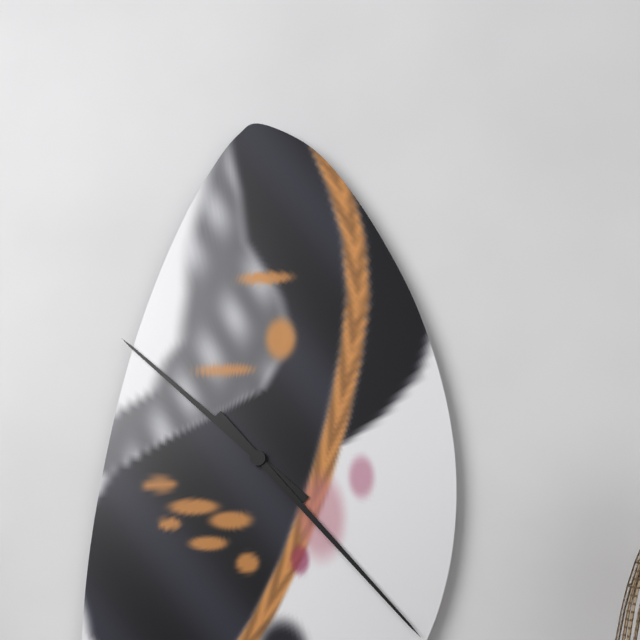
h=10 m=23
